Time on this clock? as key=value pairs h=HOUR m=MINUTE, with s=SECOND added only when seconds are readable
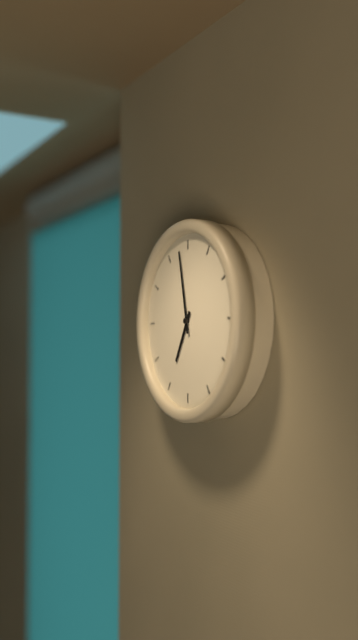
h=6 m=58
